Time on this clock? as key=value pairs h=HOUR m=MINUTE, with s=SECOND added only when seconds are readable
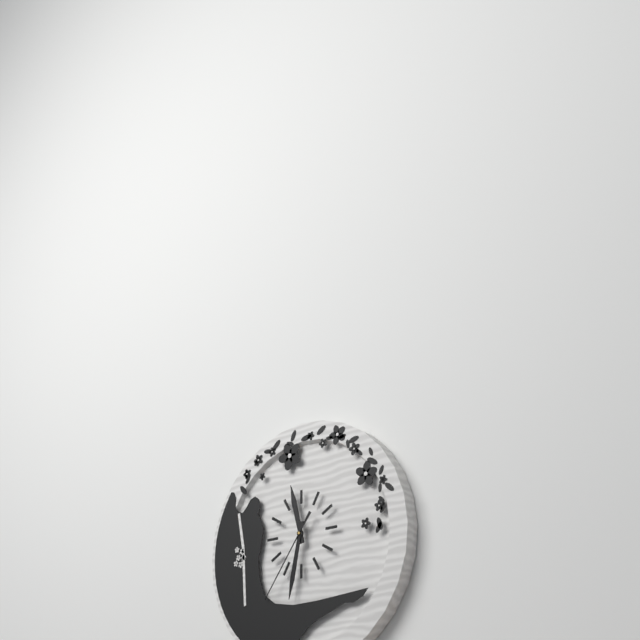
h=11 m=32 s=36
